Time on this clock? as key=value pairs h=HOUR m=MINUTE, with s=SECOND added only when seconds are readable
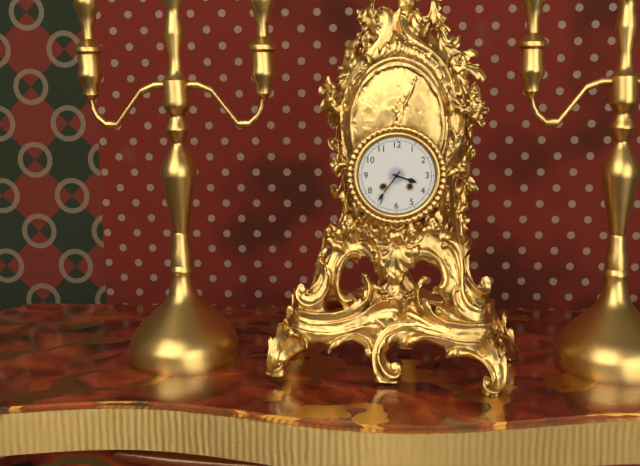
h=3 m=36
